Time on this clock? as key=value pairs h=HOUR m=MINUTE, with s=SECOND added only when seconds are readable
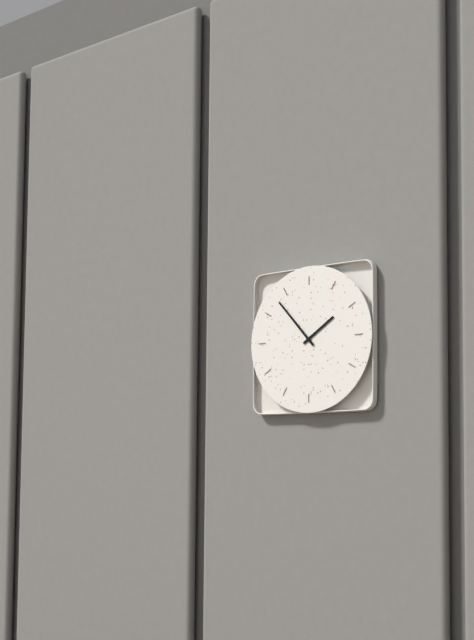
h=1 m=53
